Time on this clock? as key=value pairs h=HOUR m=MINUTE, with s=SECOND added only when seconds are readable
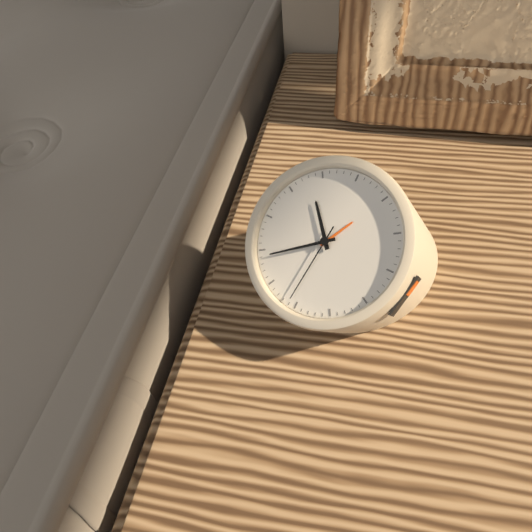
h=10 m=39 s=31
